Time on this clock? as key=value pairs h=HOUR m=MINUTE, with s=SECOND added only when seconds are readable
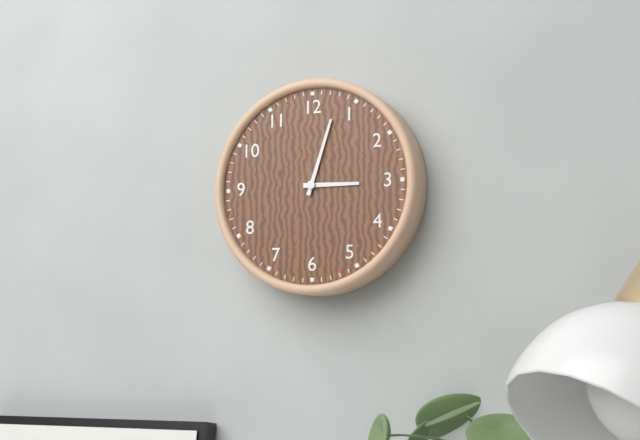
h=3 m=3
